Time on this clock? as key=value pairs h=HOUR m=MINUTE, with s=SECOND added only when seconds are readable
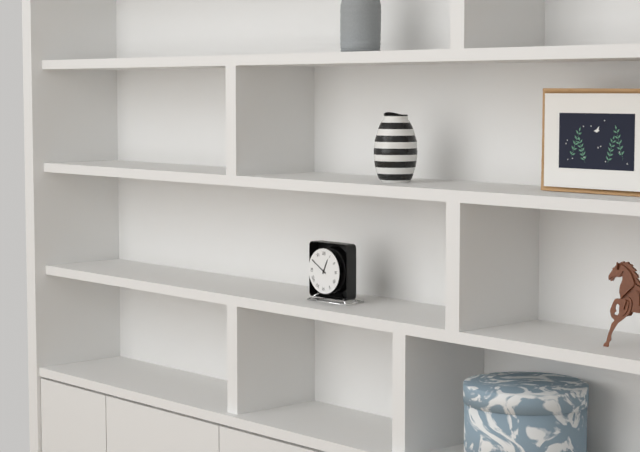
h=12 m=50
